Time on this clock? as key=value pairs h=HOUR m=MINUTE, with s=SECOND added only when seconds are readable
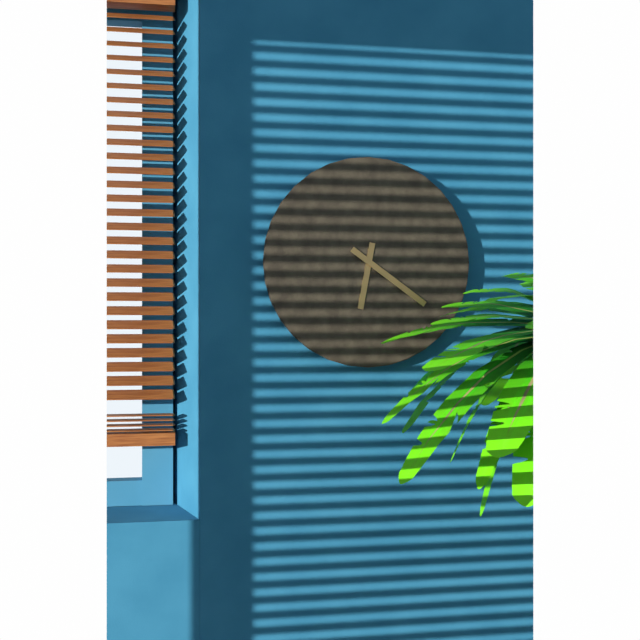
h=6 m=21
